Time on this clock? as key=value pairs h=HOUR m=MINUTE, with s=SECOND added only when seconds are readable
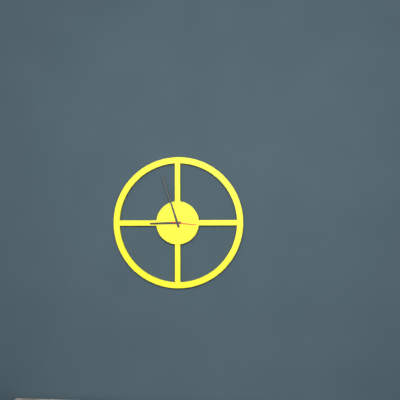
h=8 m=57
